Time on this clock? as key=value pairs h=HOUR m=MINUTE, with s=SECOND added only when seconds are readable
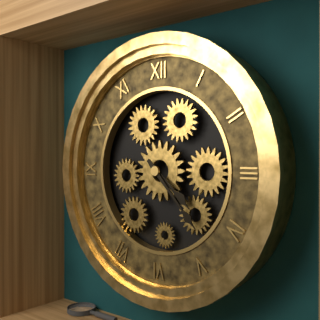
h=4 m=23
